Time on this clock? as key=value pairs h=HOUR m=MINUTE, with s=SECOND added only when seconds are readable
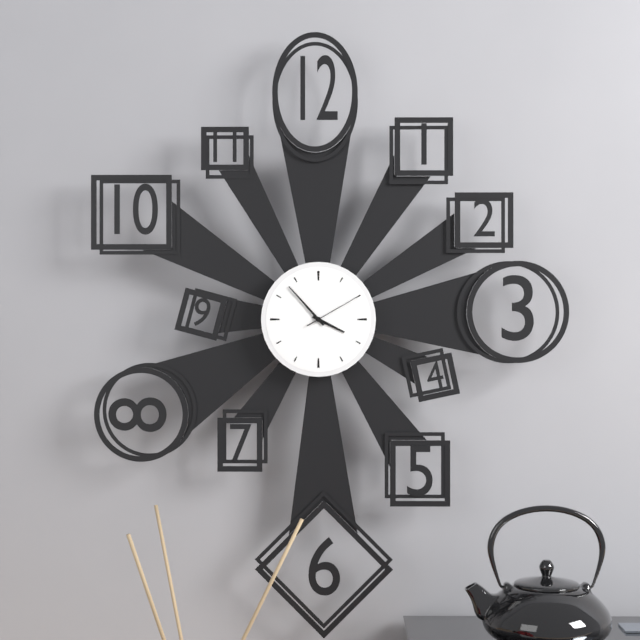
h=3 m=53 s=10
